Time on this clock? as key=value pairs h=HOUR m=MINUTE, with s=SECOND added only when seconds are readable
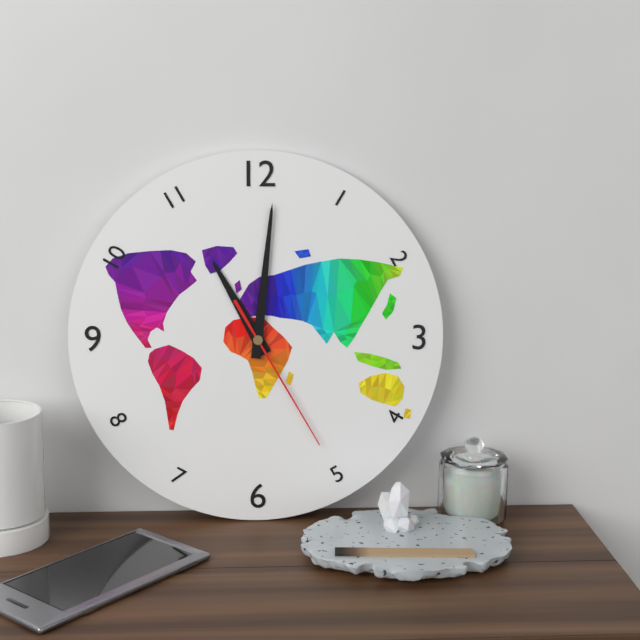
h=11 m=1 s=25
